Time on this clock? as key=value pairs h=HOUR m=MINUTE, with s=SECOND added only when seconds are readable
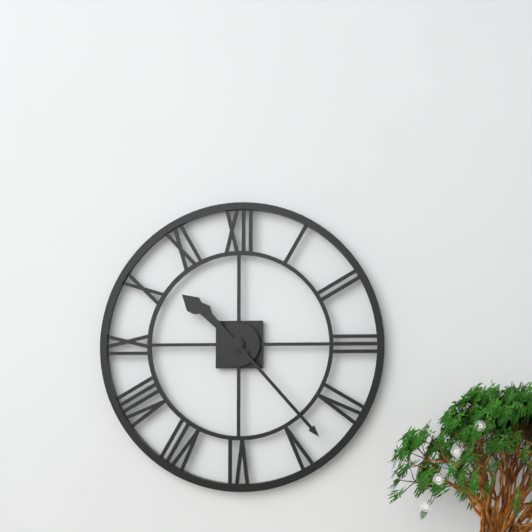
h=10 m=23
